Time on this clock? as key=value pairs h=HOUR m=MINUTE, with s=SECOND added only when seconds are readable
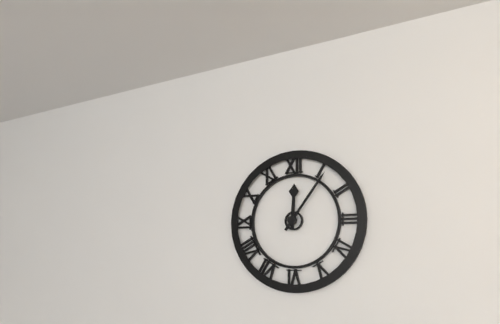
h=12 m=6
